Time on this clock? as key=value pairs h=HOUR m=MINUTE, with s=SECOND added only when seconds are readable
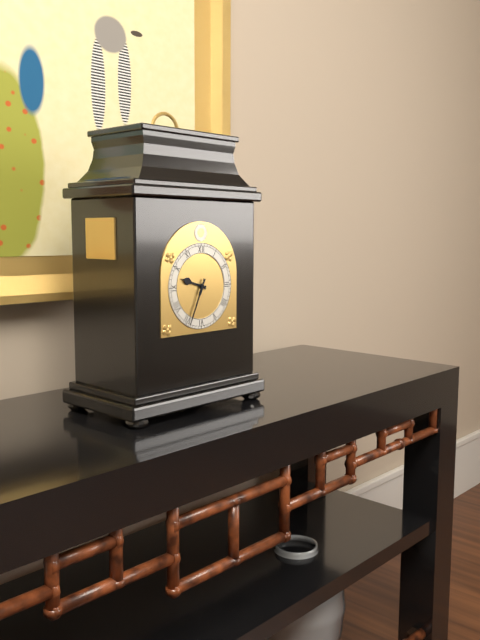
h=9 m=34
